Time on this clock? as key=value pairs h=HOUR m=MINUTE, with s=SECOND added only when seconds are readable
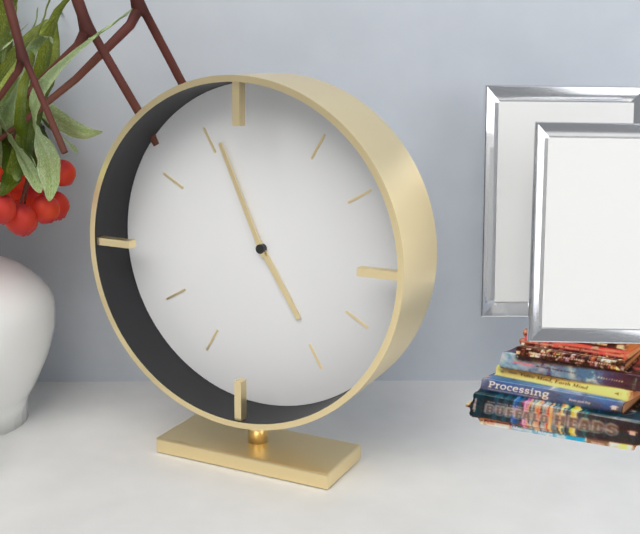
h=4 m=56
